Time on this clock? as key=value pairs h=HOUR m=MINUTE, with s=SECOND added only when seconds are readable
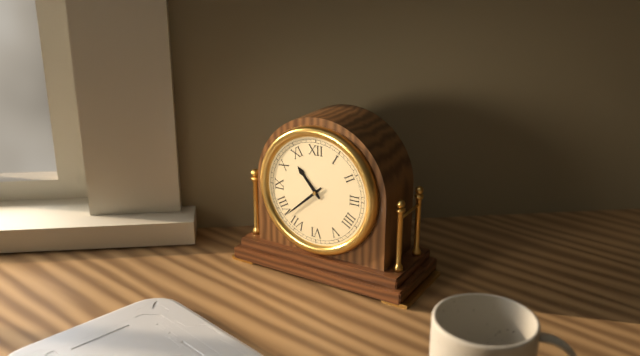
h=10 m=38
